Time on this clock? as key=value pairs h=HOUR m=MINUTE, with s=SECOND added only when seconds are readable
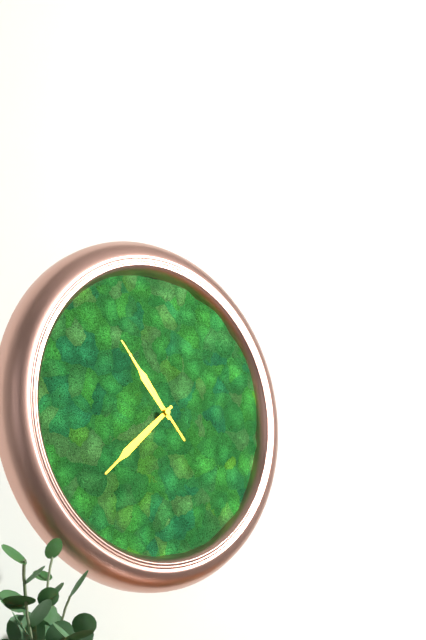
h=10 m=38 s=53
